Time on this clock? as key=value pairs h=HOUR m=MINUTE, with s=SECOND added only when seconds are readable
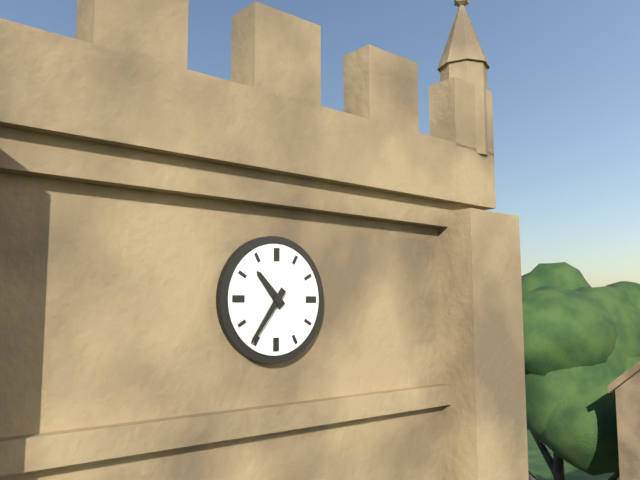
h=10 m=36
